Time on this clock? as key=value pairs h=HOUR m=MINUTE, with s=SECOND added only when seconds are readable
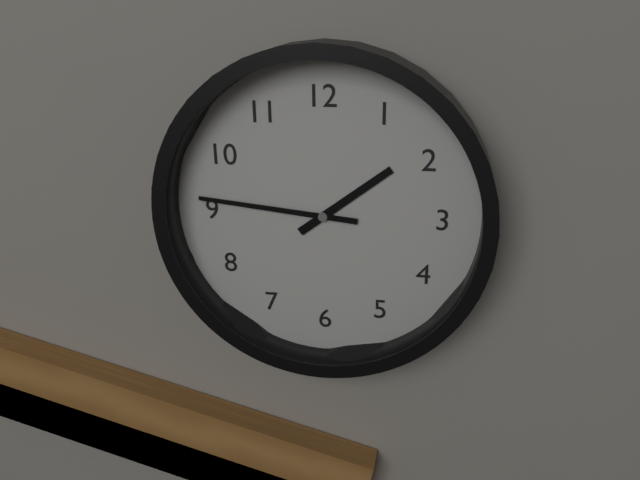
h=1 m=46
